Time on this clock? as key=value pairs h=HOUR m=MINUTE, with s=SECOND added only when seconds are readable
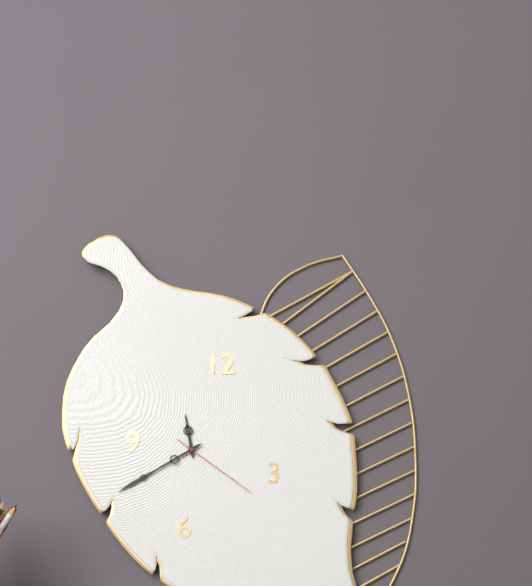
h=11 m=40 s=21
